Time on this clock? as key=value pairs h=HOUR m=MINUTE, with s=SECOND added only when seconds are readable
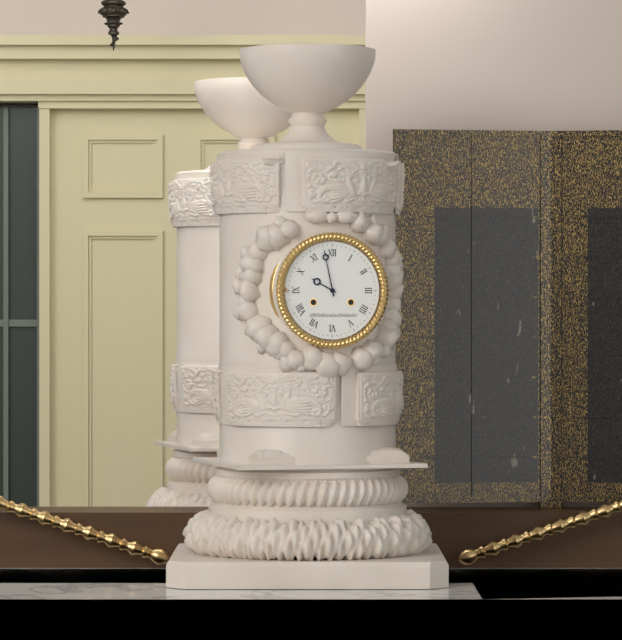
h=9 m=58
